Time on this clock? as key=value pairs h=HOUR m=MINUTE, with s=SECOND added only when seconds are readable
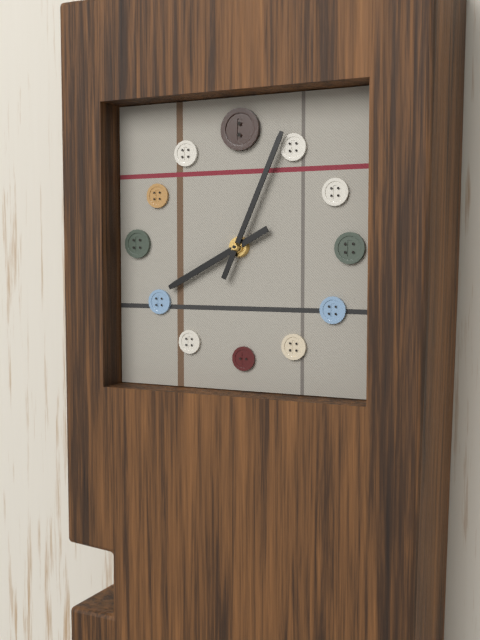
h=8 m=4
